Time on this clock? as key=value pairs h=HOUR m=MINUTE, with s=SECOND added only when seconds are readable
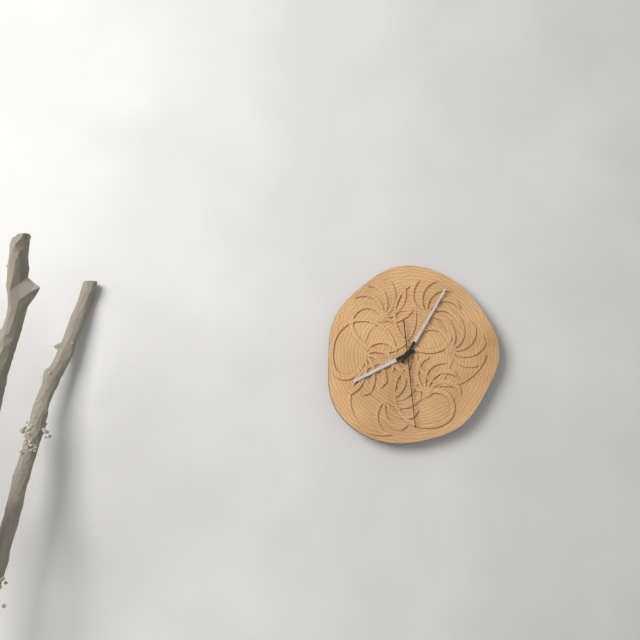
h=8 m=5 s=29
